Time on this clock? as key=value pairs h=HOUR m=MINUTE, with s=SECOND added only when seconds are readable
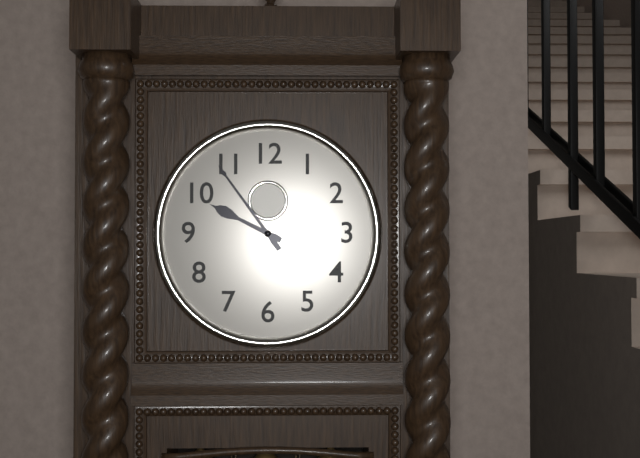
h=9 m=54
